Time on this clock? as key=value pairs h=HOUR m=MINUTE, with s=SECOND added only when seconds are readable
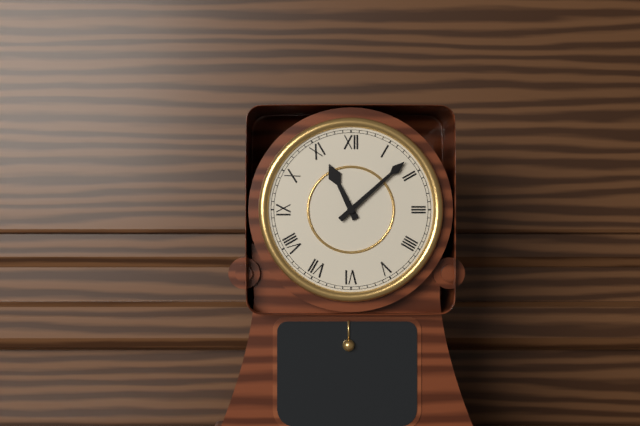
h=11 m=8
